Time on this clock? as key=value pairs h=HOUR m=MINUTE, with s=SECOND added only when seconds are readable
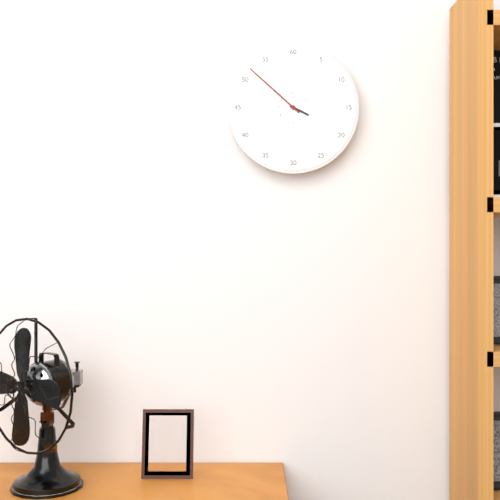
h=3 m=52
